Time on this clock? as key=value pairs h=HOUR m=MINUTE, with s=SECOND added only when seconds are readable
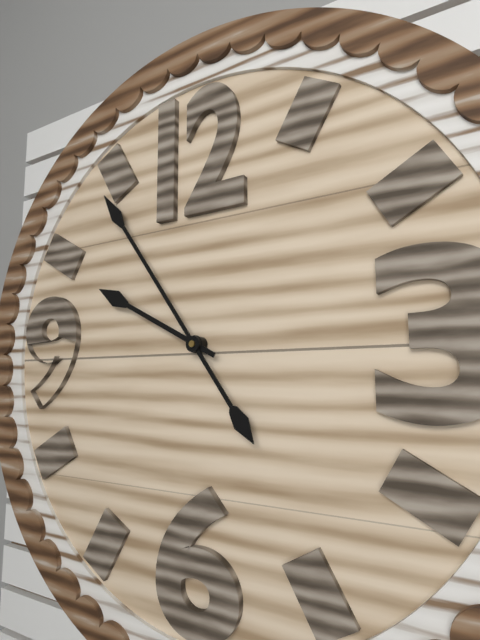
h=9 m=54
